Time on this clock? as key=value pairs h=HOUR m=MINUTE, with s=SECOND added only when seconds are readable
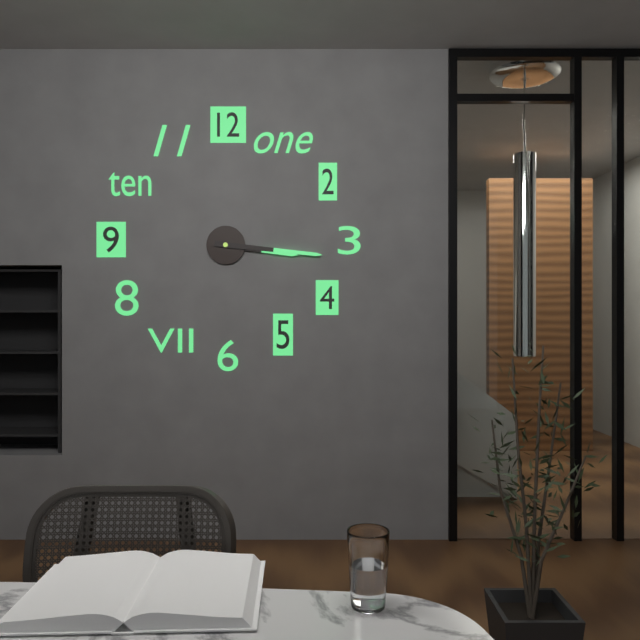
h=3 m=16
